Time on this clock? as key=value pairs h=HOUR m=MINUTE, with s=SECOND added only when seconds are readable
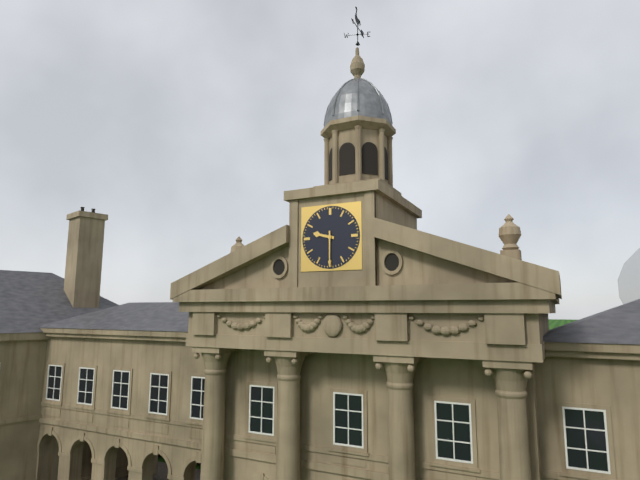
h=9 m=30
